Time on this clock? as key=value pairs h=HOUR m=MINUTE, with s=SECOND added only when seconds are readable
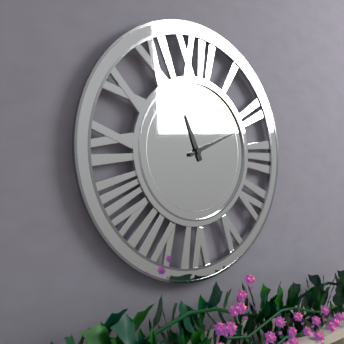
h=11 m=11
